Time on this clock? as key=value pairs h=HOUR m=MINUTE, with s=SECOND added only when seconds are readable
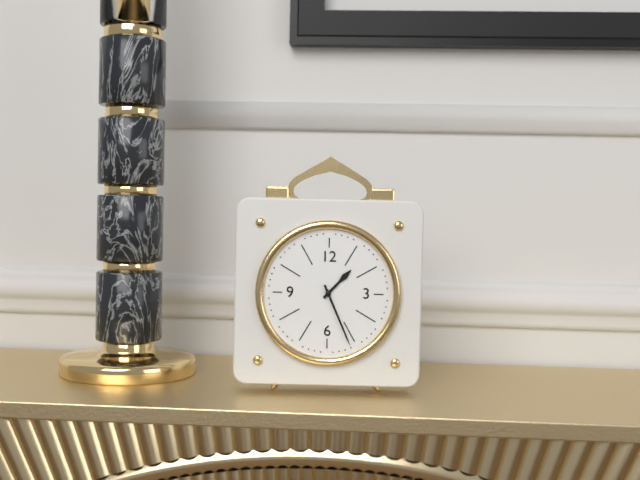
h=1 m=26
